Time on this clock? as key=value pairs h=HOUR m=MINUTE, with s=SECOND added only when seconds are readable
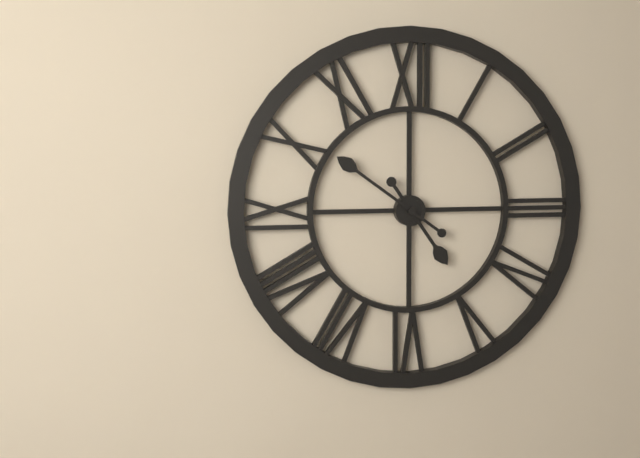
h=4 m=51
